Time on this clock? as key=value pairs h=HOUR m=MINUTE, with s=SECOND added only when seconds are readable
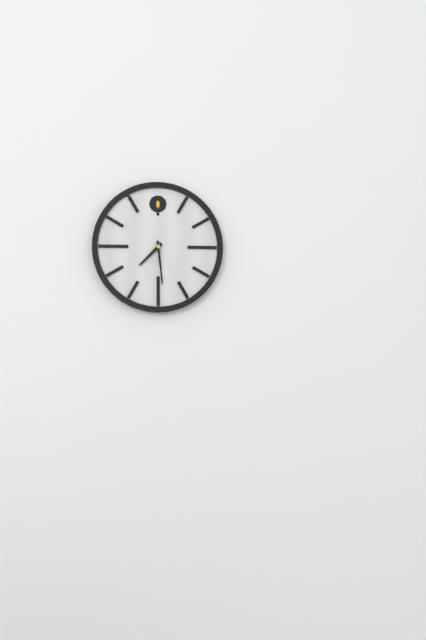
h=7 m=29
